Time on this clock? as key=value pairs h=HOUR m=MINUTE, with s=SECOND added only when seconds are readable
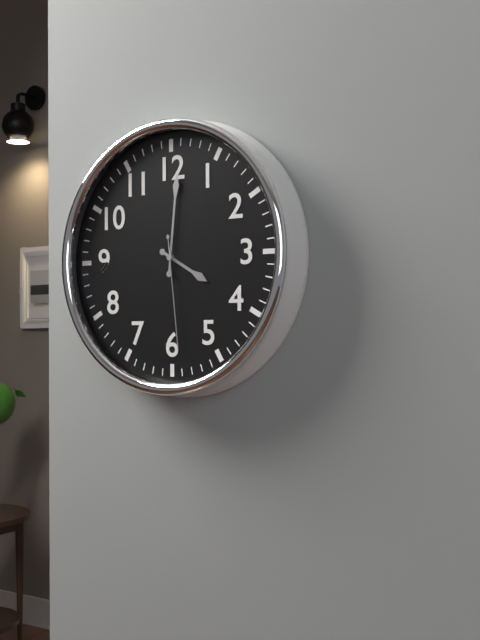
h=4 m=1 s=29
